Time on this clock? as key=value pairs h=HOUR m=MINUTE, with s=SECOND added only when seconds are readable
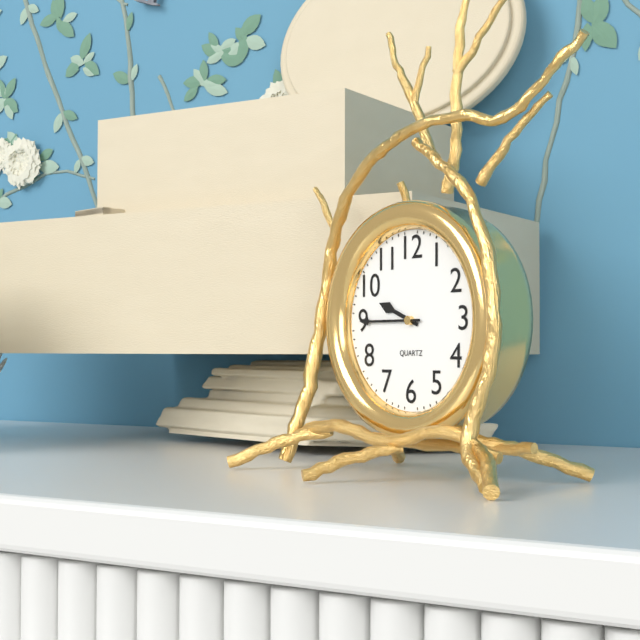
h=9 m=45
